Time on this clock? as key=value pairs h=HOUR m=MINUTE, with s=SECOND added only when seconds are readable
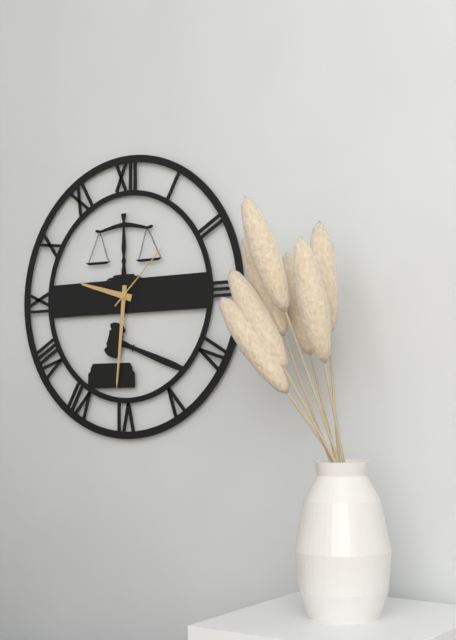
h=9 m=31 s=8
